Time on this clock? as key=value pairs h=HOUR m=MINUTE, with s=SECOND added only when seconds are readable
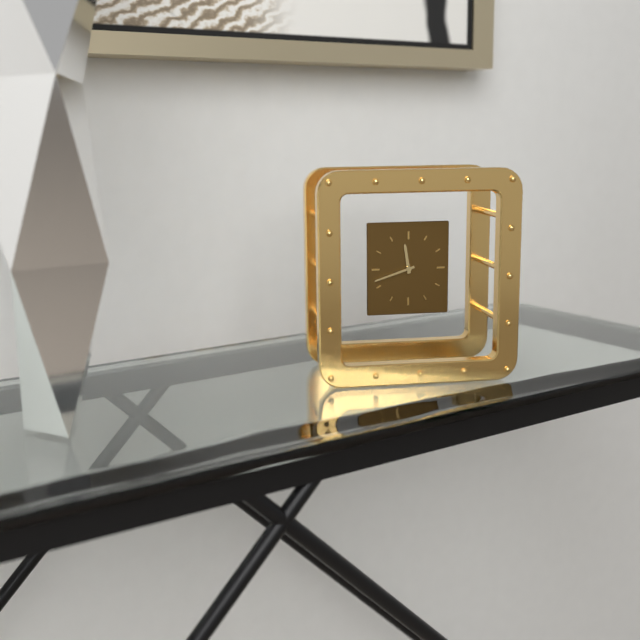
h=11 m=42
